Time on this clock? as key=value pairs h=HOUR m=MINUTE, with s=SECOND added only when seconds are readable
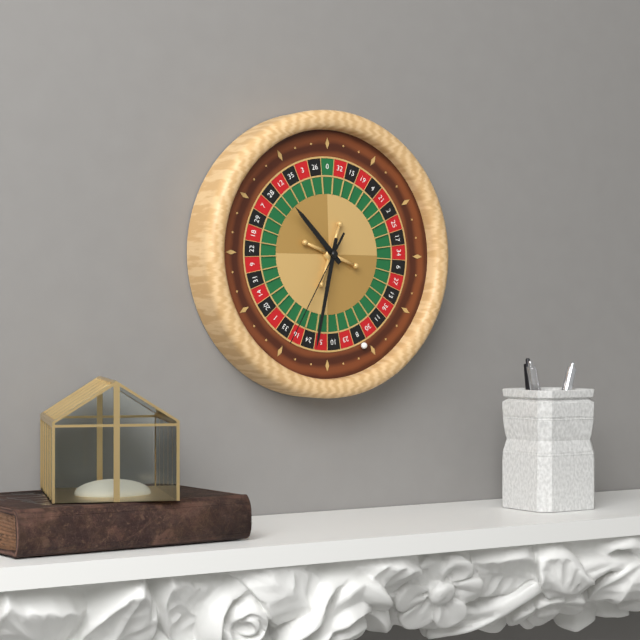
h=10 m=32 s=35
